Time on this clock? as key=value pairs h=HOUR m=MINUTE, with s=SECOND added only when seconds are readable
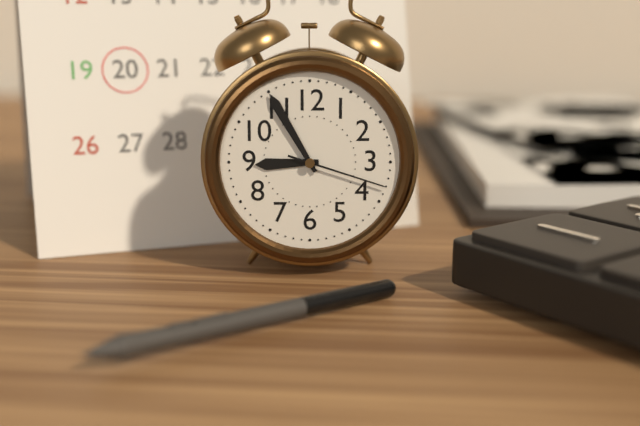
h=8 m=55 s=18
